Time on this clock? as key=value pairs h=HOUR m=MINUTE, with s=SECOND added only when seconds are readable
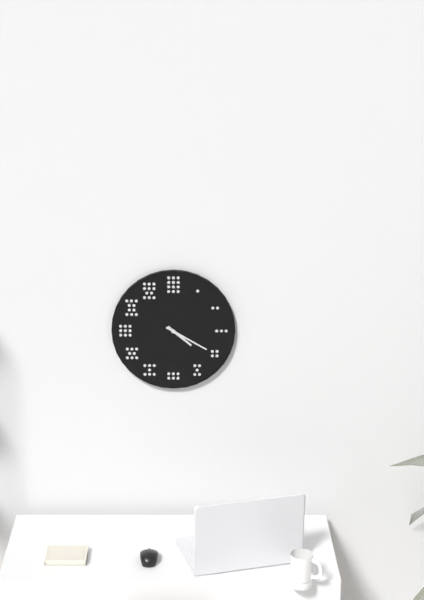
h=4 m=20
